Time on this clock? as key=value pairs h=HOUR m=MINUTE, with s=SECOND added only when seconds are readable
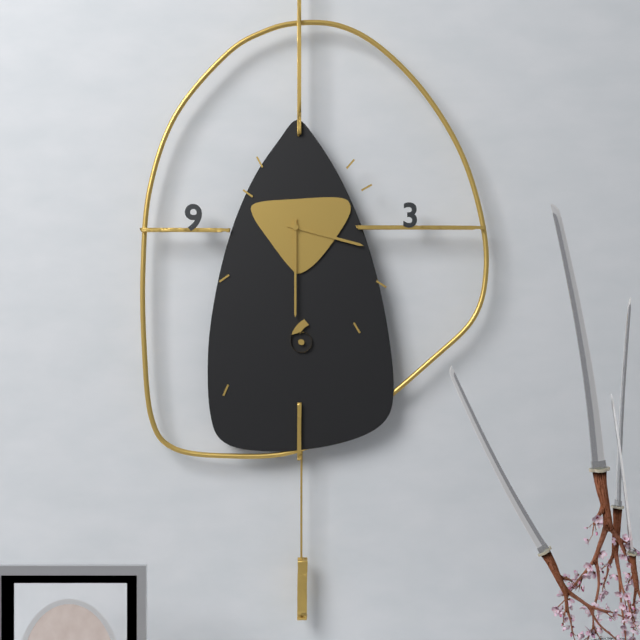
h=3 m=30
